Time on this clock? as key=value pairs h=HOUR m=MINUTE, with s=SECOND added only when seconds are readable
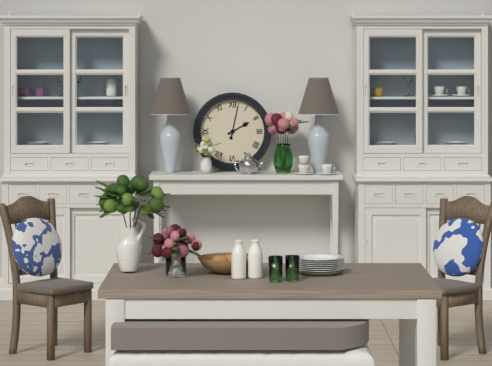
h=2 m=2
